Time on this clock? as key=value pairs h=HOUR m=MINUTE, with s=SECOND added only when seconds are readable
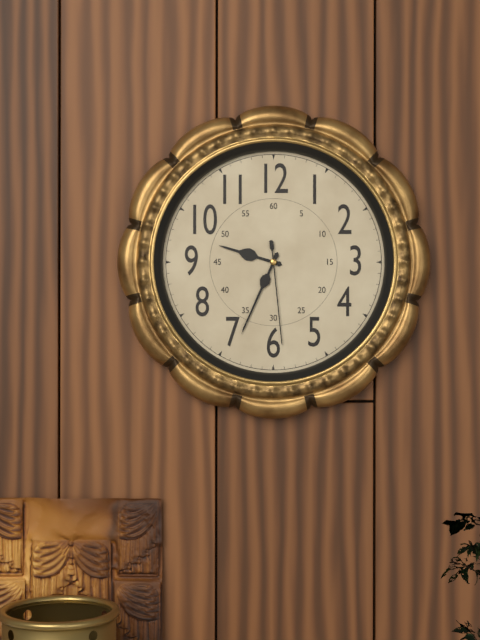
h=9 m=34 s=29
